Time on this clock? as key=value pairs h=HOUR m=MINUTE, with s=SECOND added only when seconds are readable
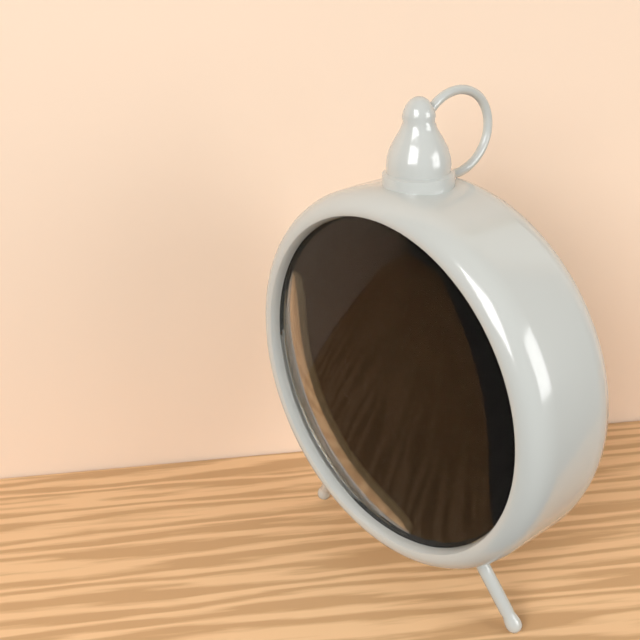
h=1 m=1
